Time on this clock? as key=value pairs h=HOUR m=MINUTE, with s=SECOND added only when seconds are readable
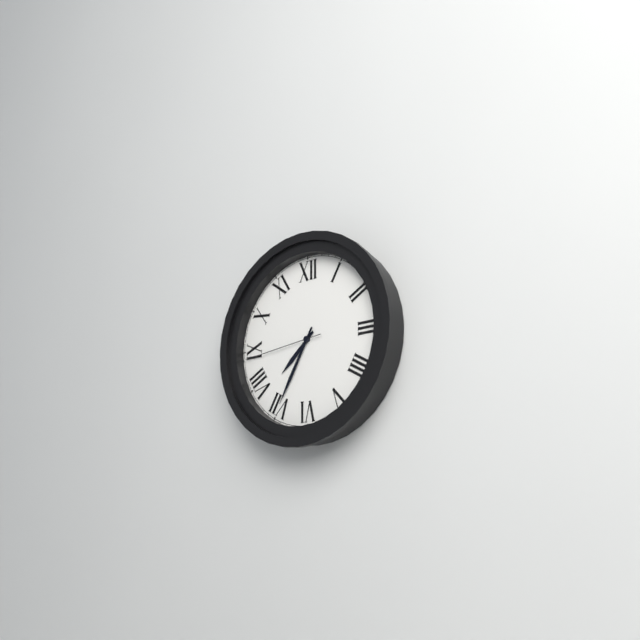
h=7 m=35 s=44
